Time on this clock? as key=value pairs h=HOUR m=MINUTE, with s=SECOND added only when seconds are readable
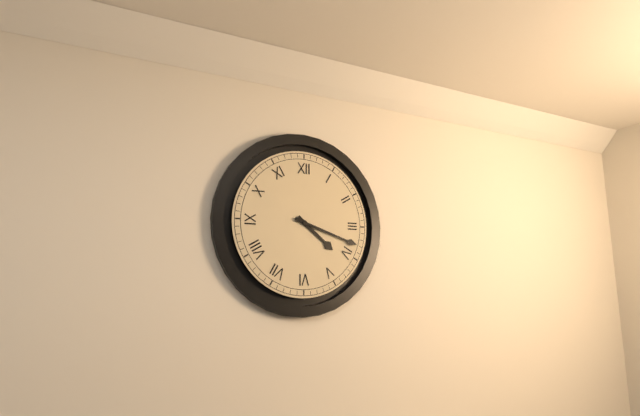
h=4 m=18
